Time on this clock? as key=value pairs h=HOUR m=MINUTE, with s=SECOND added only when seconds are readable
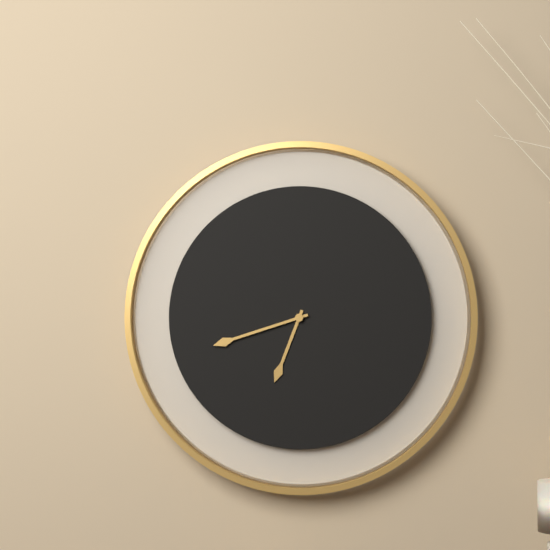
h=6 m=42
